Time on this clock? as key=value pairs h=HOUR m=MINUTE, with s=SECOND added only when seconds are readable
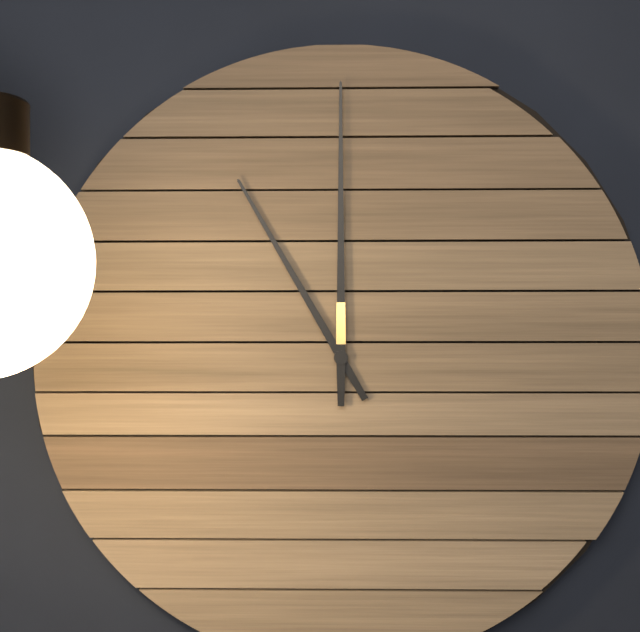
h=11 m=0
